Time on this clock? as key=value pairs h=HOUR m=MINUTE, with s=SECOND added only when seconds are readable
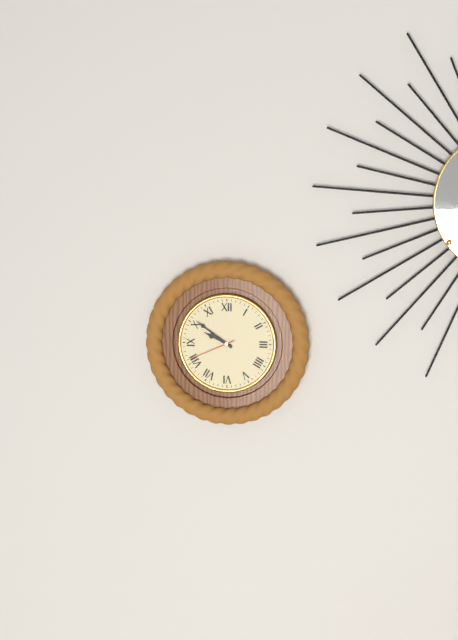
h=9 m=51 s=41
